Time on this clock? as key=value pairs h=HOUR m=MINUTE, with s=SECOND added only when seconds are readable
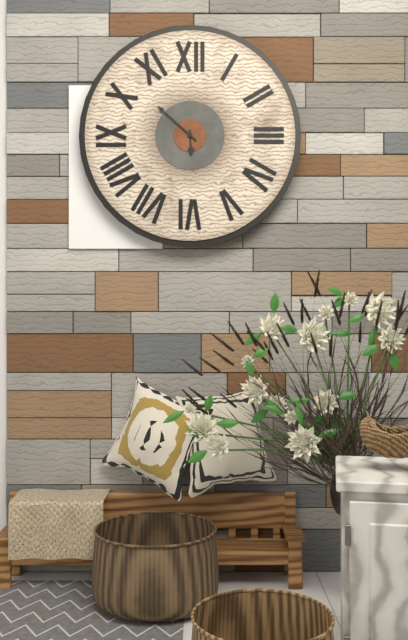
h=5 m=52
